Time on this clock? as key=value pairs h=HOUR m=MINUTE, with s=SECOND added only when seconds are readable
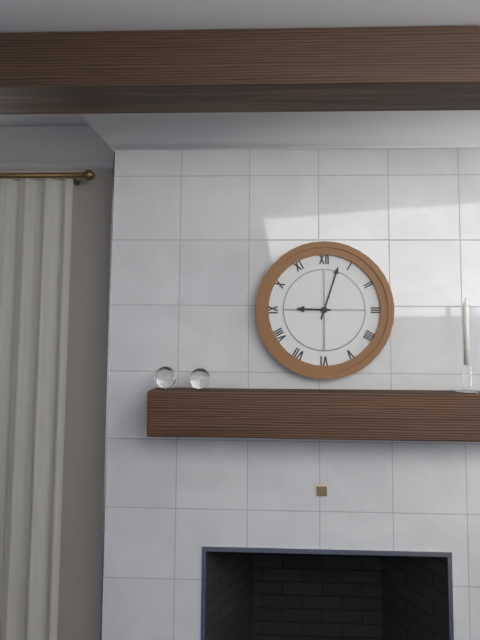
h=9 m=3
